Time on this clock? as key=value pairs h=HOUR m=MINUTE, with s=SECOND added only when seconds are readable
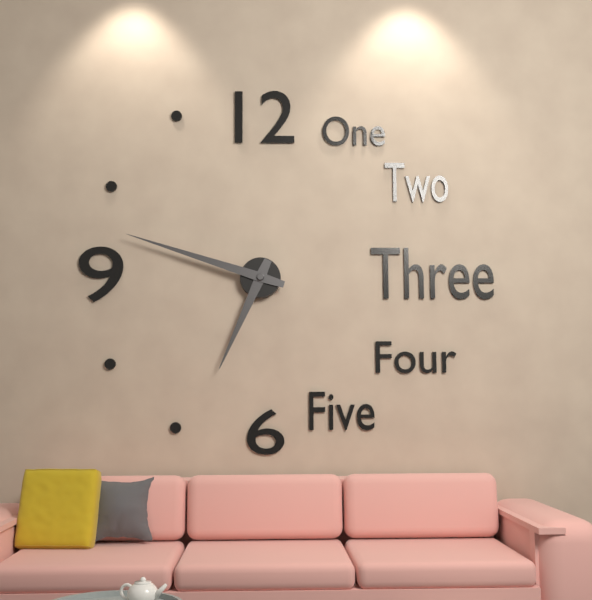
h=6 m=48
